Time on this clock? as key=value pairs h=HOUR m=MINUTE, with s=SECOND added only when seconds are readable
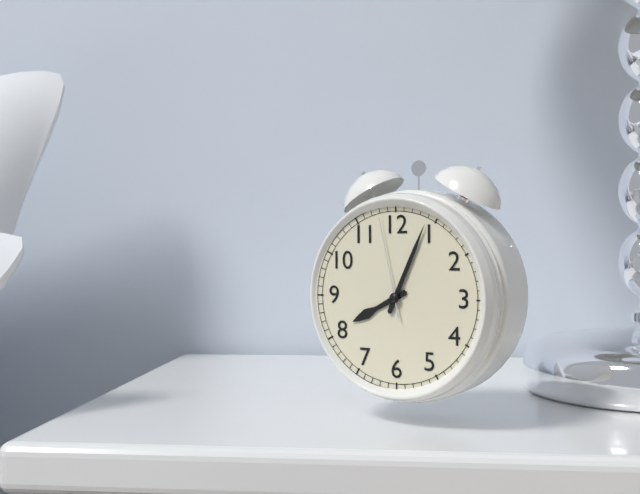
h=8 m=4 s=58
